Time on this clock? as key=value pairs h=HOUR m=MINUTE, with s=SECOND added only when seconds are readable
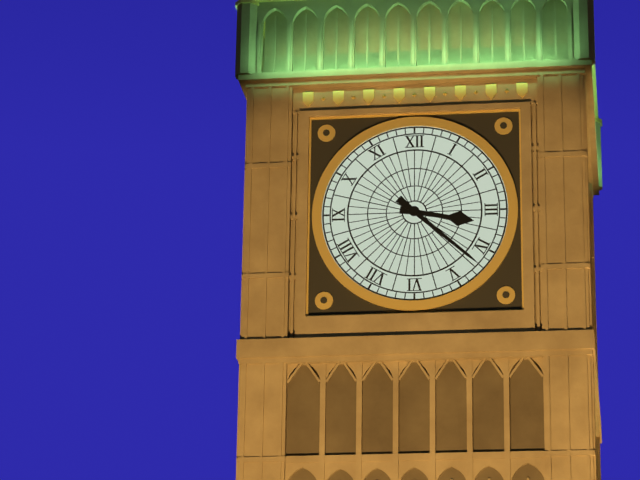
h=3 m=22
